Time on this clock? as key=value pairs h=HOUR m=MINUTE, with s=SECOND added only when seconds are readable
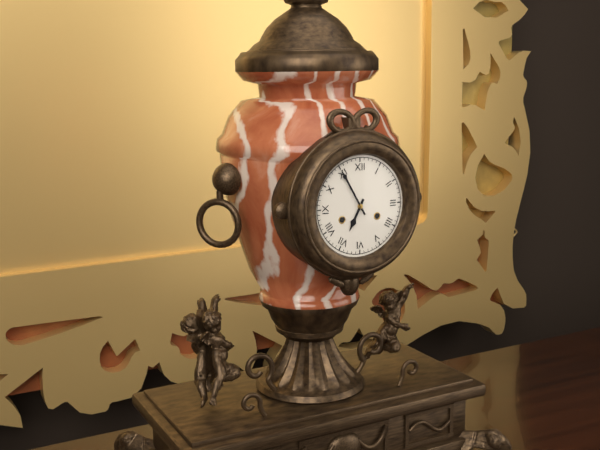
h=6 m=55
